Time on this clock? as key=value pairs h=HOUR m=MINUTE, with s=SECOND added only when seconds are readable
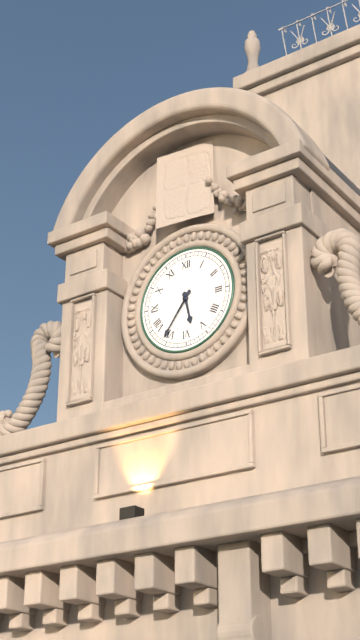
h=5 m=36
